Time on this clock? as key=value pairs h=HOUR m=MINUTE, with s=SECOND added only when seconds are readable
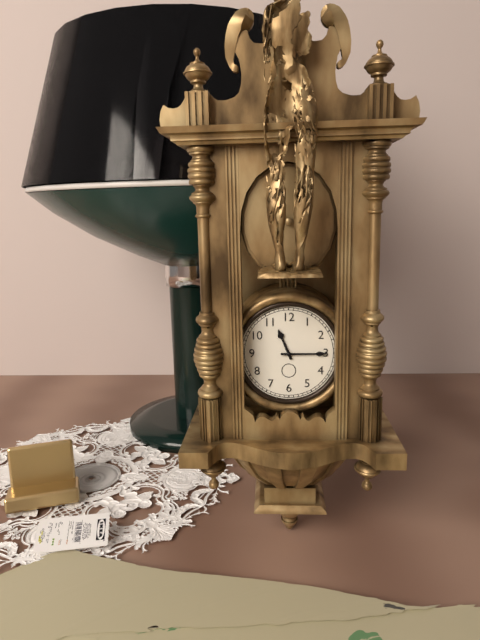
h=11 m=15
